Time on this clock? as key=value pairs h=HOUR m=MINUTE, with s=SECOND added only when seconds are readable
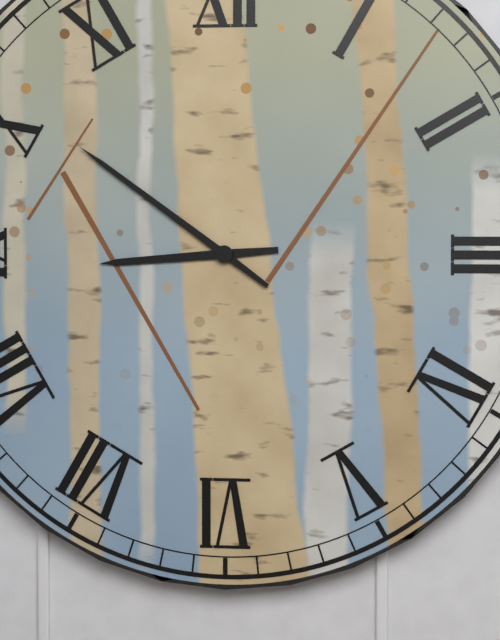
h=8 m=51
